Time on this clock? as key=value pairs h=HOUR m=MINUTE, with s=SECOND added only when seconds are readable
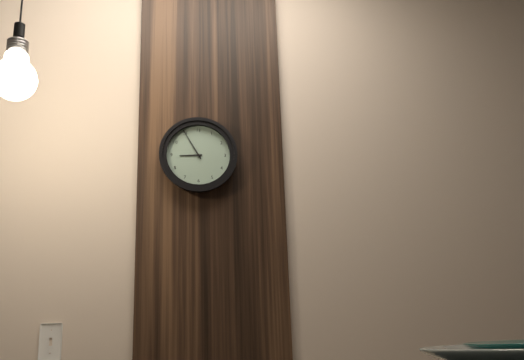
h=8 m=55
